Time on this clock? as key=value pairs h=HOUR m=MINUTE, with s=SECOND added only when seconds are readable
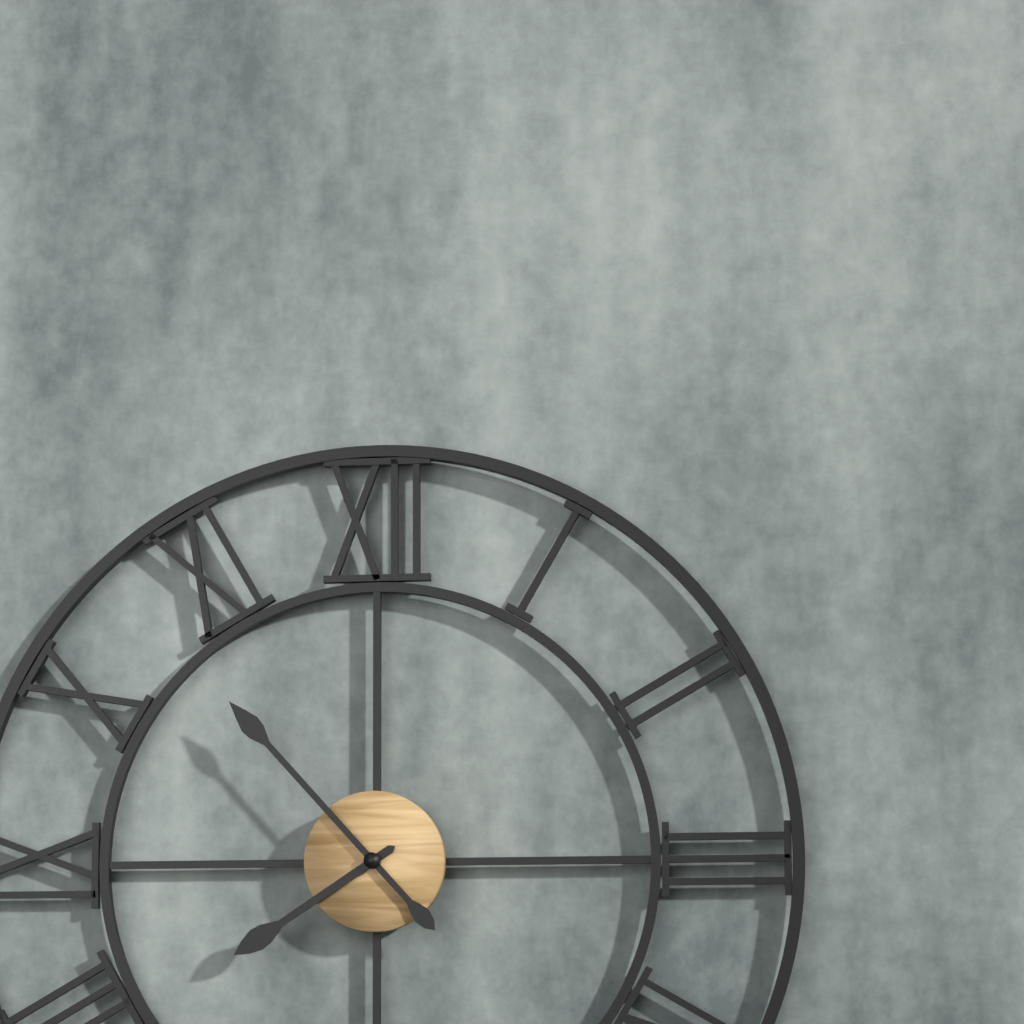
h=7 m=53
